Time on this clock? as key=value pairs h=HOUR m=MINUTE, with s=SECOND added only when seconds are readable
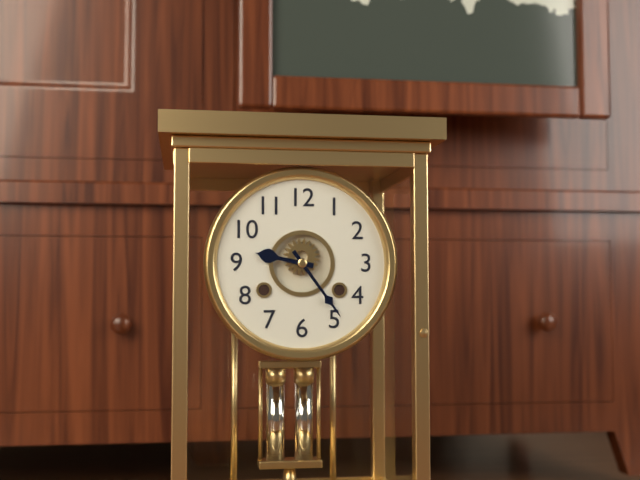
h=9 m=24
